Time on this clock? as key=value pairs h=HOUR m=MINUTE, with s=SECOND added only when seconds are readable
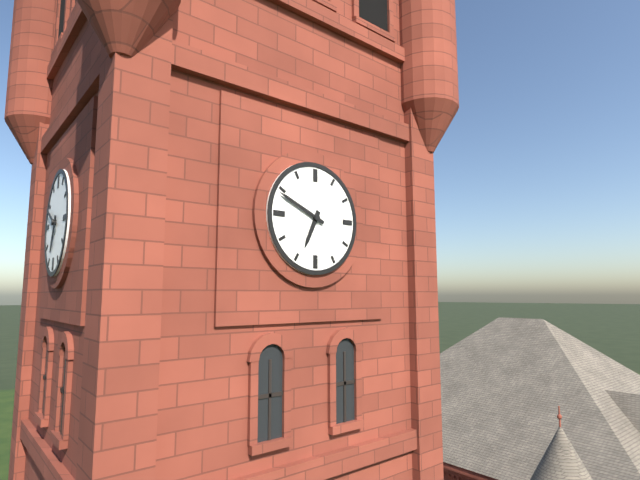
h=6 m=49
